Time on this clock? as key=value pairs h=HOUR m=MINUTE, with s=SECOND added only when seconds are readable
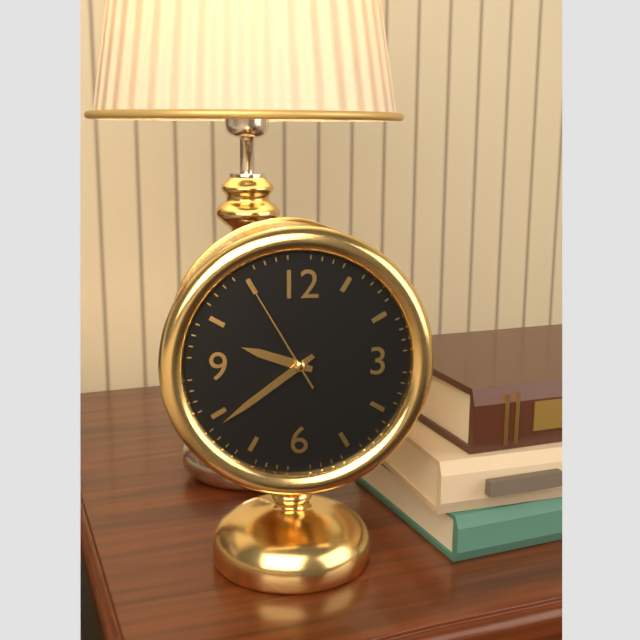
h=9 m=39 s=55
